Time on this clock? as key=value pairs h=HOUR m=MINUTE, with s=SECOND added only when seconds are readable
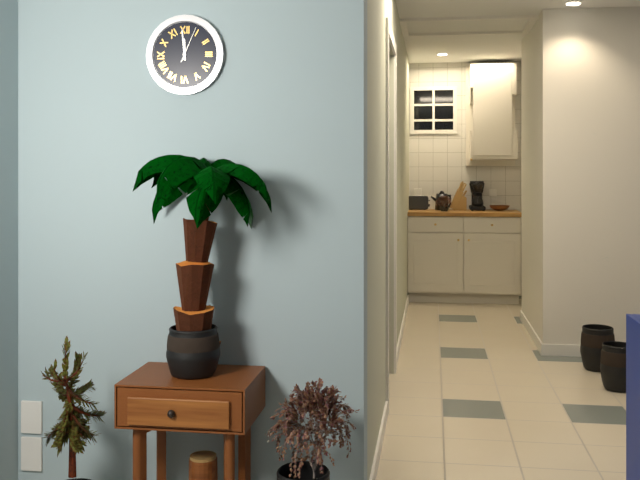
h=11 m=59
